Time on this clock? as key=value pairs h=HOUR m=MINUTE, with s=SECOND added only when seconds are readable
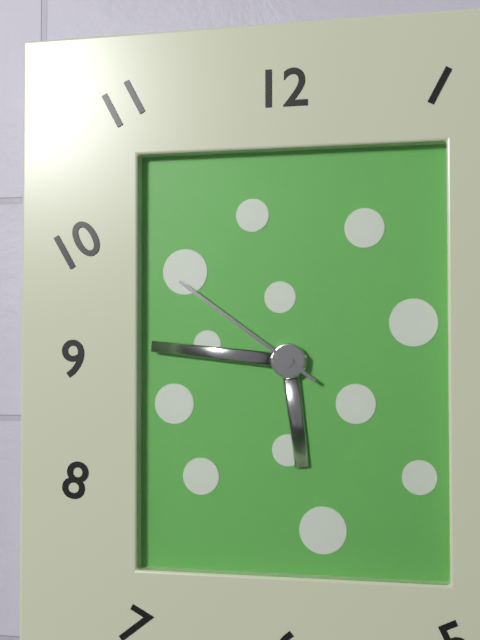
h=5 m=46 s=51
